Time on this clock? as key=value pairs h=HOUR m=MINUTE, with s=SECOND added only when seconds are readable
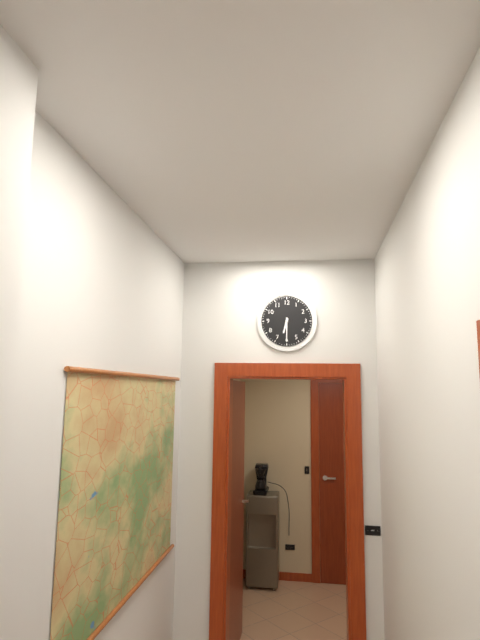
h=6 m=30
